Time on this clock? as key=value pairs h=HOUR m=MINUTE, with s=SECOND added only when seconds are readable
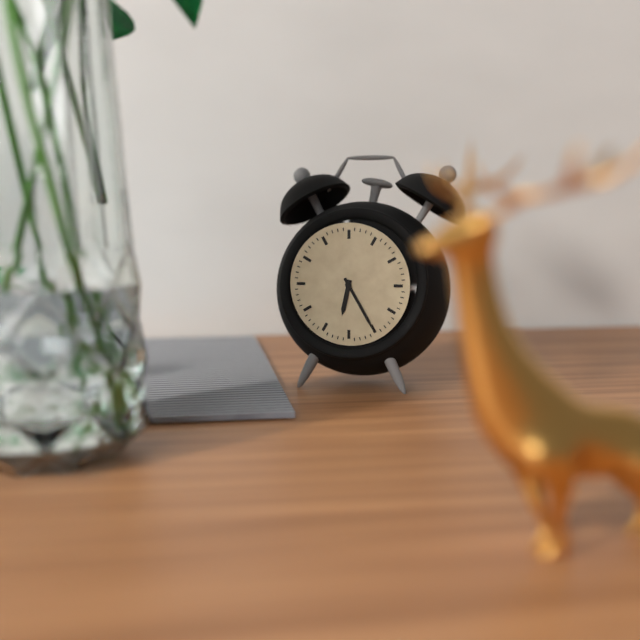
h=6 m=25
